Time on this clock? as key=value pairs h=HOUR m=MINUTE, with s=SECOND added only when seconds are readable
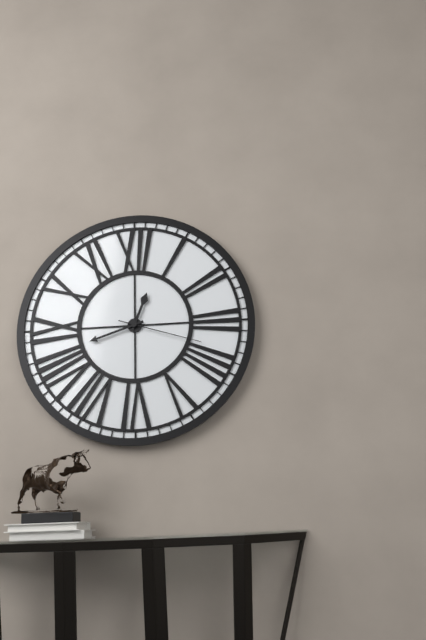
h=12 m=42 s=18
